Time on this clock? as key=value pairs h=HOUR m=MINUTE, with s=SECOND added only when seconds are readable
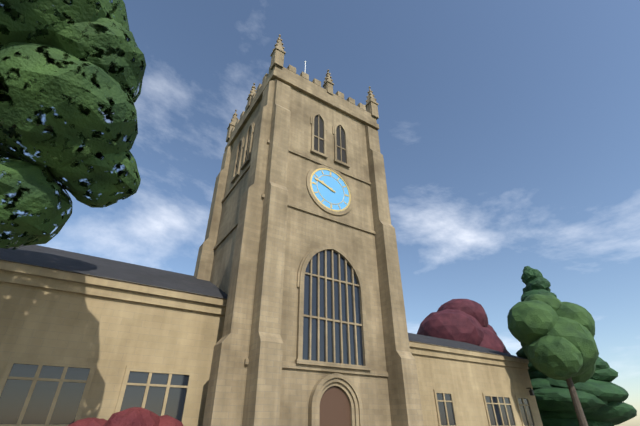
h=9 m=48
